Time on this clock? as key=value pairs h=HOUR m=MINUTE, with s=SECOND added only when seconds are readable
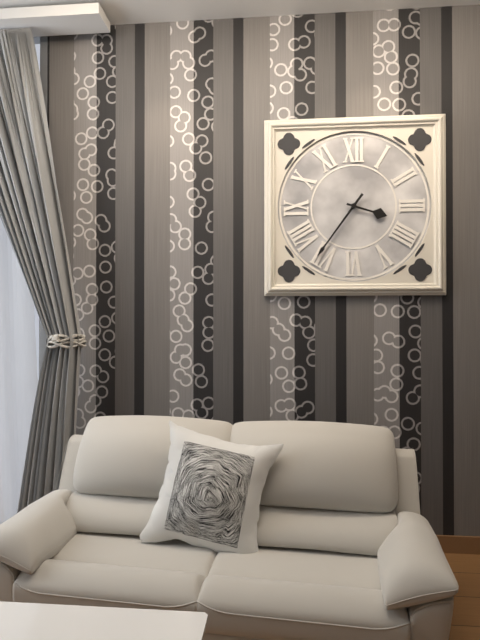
h=3 m=36
